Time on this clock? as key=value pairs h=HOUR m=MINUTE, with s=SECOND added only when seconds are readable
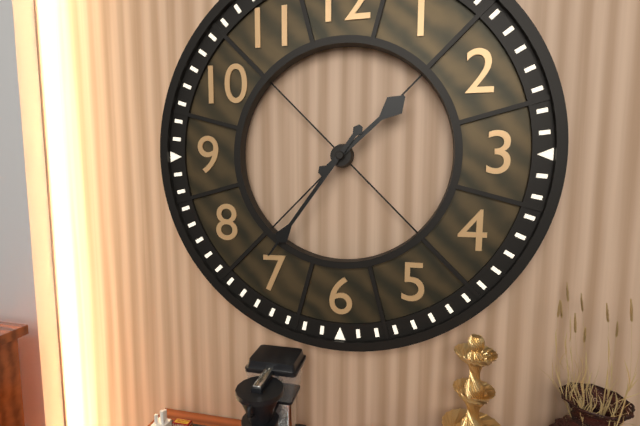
h=1 m=36
